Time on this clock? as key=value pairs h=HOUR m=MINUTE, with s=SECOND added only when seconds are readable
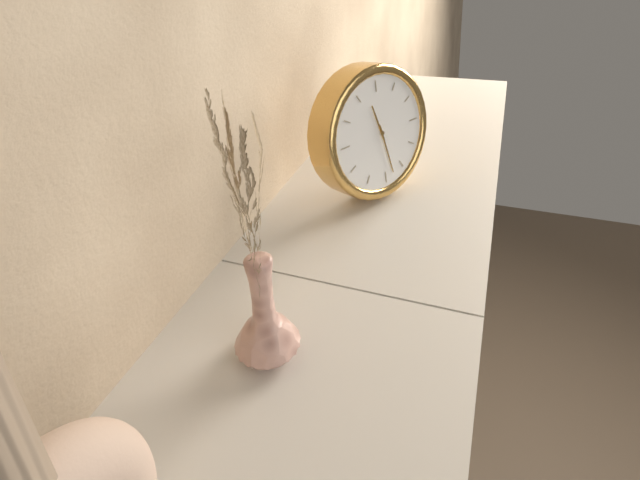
h=11 m=28
